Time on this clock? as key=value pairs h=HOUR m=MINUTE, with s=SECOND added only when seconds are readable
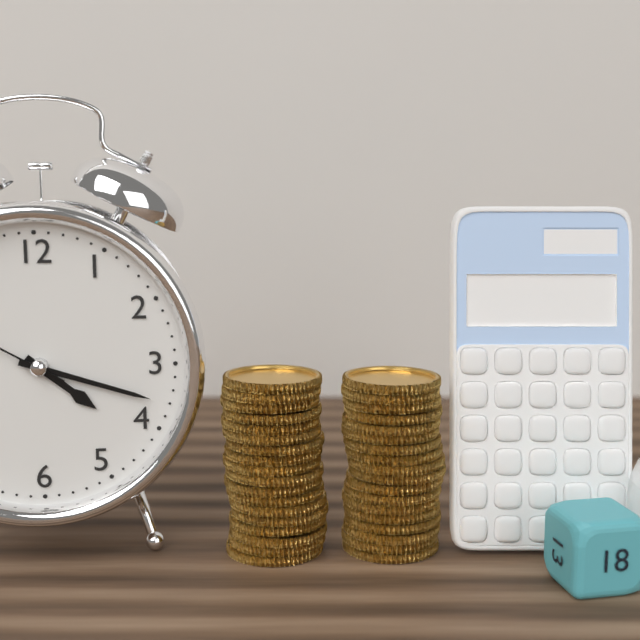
h=4 m=18
